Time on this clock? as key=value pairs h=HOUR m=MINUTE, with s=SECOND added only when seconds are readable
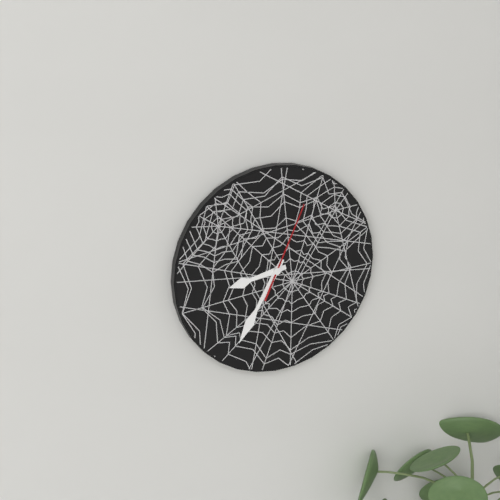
h=8 m=35 s=4
